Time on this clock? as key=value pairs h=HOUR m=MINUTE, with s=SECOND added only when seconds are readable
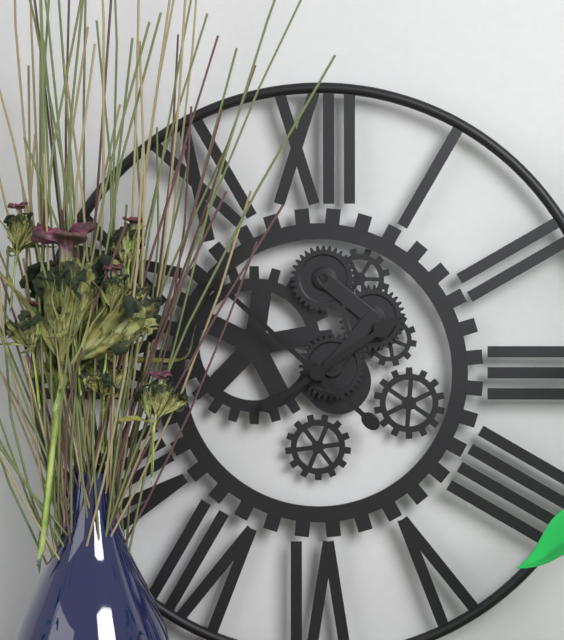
h=1 m=52
